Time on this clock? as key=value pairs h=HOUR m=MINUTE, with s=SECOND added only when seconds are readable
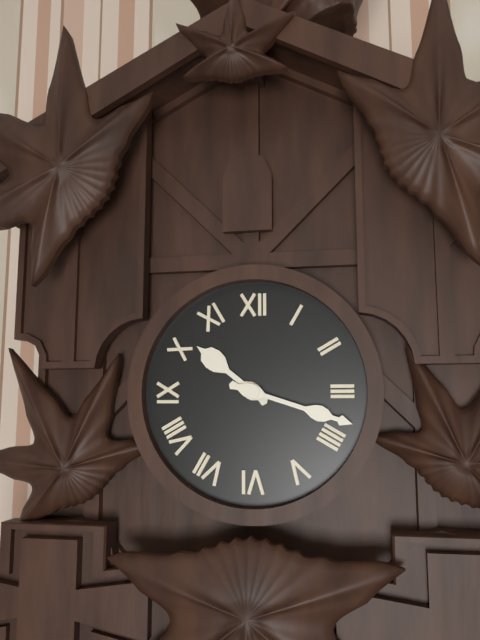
h=10 m=18
